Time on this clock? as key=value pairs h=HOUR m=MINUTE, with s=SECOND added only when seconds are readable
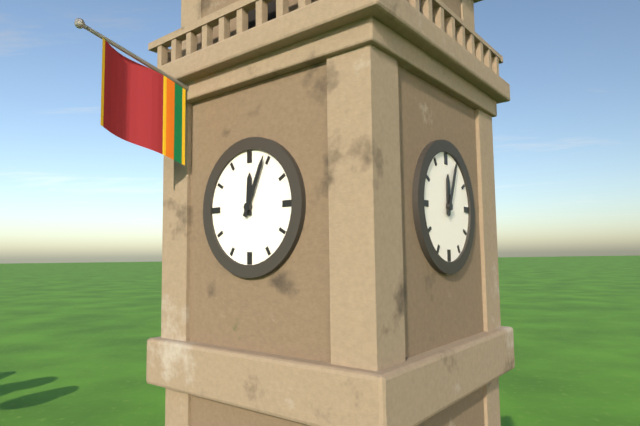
h=12 m=4
